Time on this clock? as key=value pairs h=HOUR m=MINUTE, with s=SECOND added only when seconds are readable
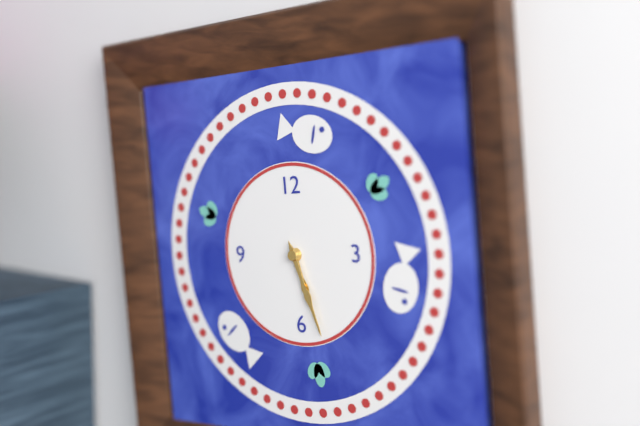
h=5 m=27
